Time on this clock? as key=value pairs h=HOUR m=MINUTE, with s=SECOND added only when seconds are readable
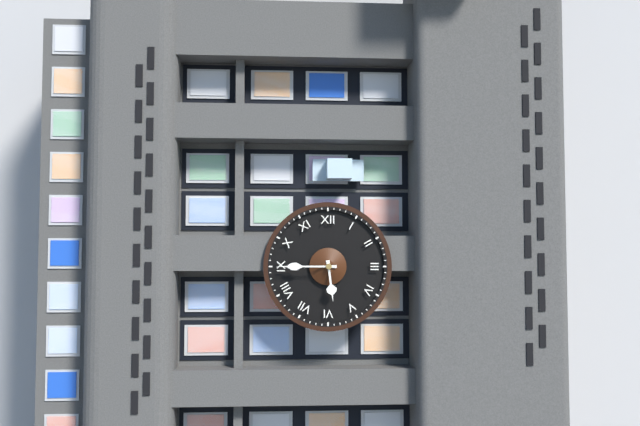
h=5 m=45
